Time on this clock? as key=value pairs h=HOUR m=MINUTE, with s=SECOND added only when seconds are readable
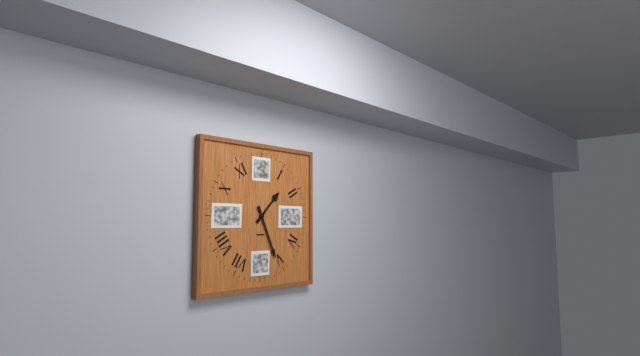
h=1 m=26
